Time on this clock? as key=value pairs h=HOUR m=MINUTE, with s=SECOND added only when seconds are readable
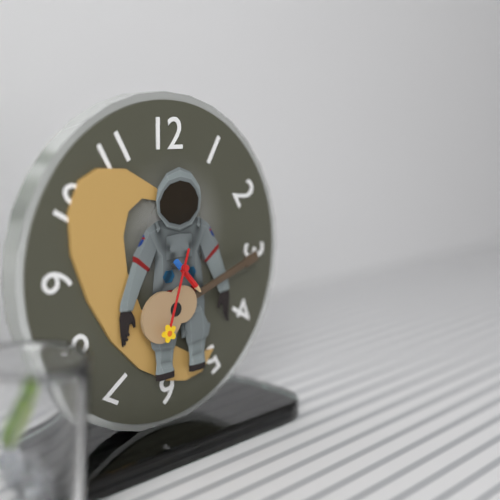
h=4 m=33
